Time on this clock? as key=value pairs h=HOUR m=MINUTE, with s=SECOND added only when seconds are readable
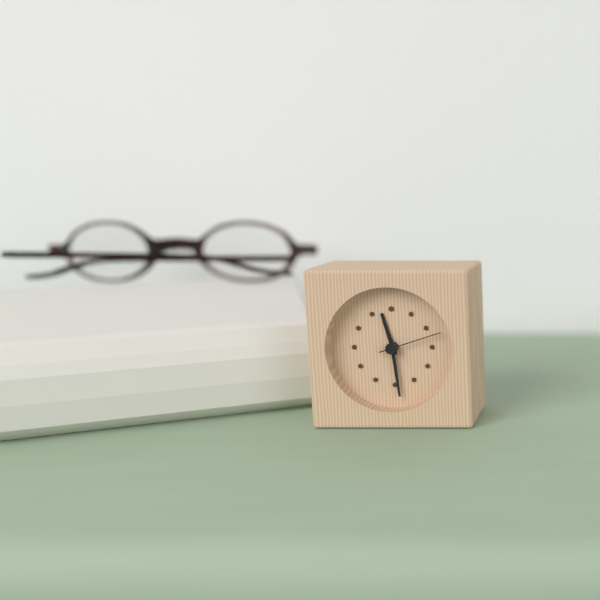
h=11 m=29 s=12
